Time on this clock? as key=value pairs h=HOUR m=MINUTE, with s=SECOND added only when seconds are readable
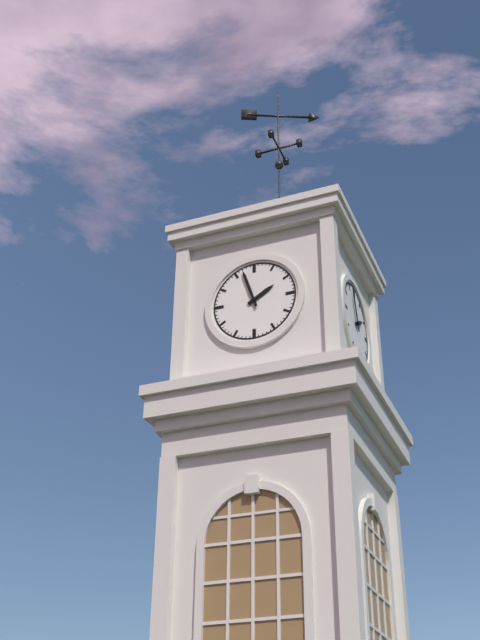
h=1 m=57
